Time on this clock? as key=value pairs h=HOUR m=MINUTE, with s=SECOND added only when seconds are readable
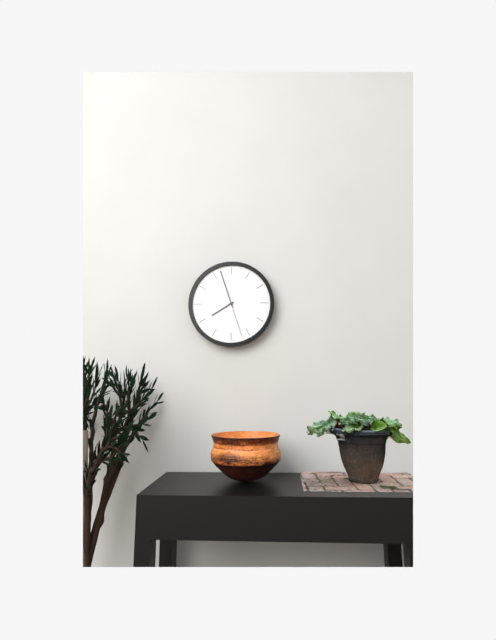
h=7 m=57
